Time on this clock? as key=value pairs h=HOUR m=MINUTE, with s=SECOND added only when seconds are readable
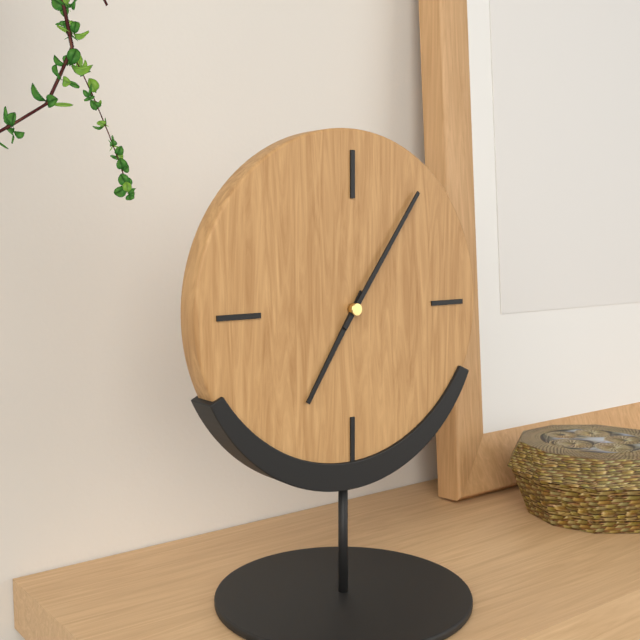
h=7 m=6
